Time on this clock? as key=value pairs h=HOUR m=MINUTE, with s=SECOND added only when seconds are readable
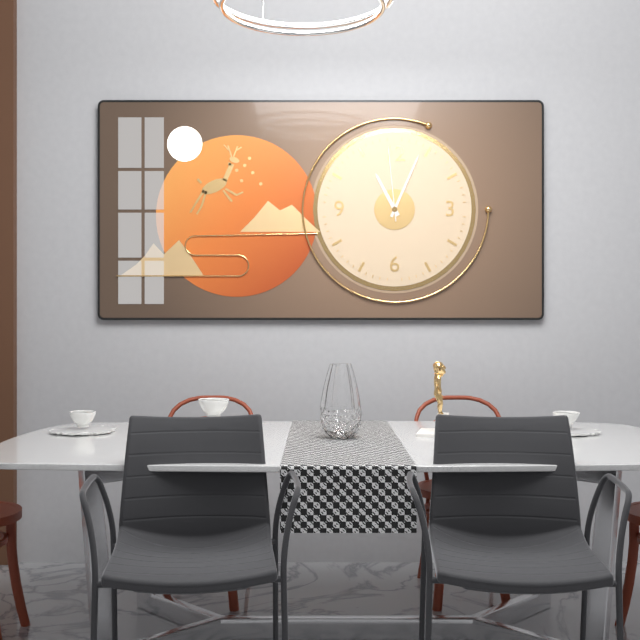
h=11 m=4 s=59
